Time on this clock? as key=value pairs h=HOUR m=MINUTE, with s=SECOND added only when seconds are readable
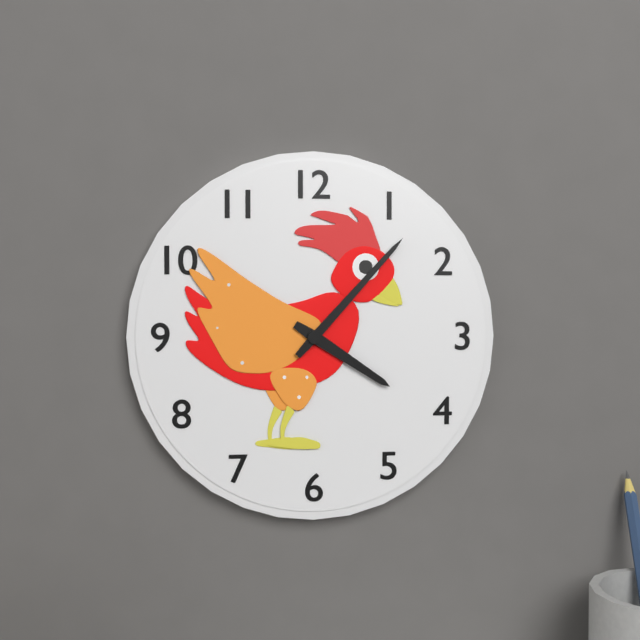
h=4 m=7
